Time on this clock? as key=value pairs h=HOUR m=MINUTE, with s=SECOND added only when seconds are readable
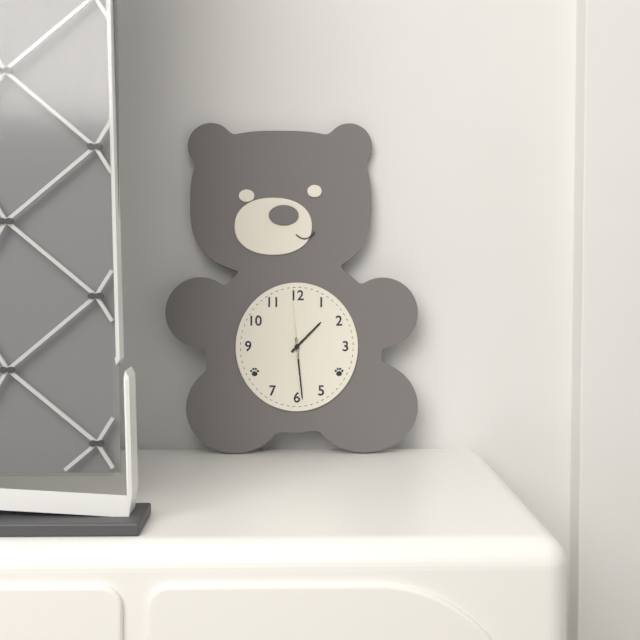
h=1 m=29 s=59
